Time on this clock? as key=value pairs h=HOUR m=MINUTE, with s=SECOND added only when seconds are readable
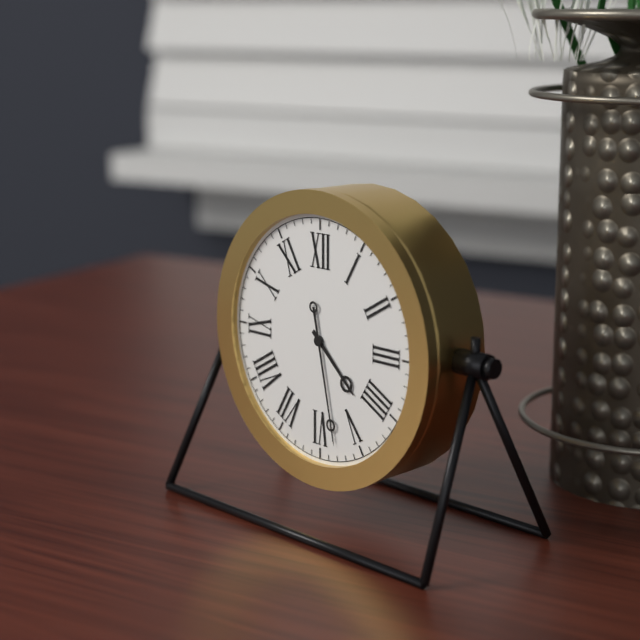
h=4 m=28
